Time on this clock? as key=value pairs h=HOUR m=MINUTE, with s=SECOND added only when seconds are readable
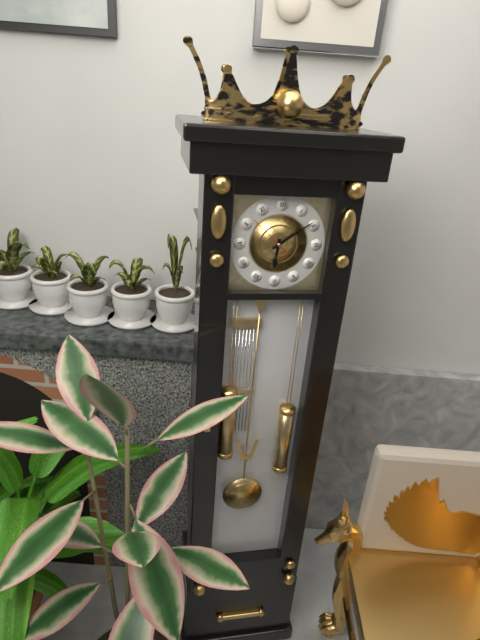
h=6 m=9
